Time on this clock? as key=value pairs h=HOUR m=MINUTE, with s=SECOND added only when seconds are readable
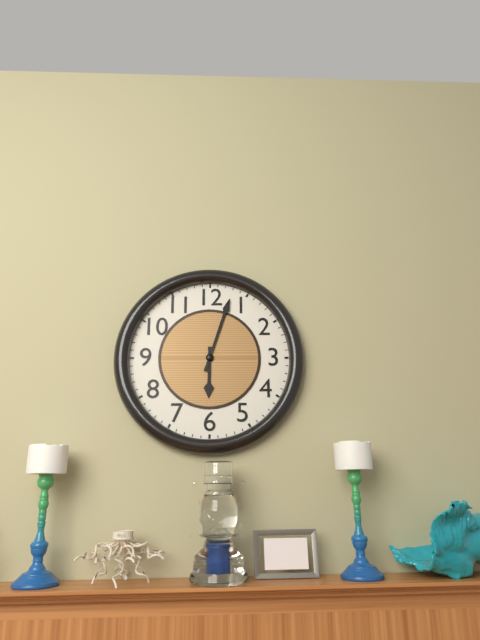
h=6 m=3
